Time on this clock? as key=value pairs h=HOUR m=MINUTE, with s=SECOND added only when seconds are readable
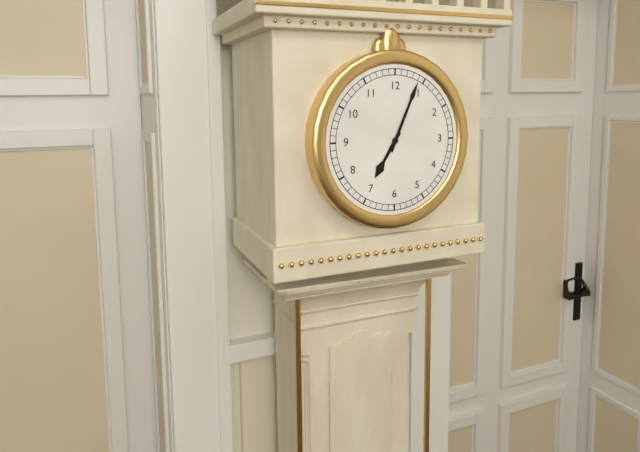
h=7 m=4
